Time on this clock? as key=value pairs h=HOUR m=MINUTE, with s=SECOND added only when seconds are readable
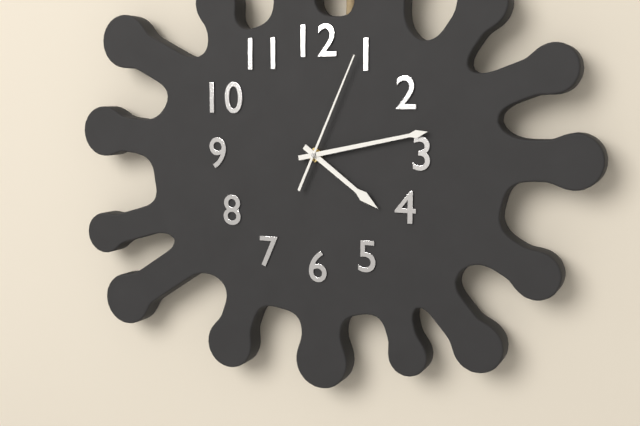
h=4 m=13 s=4
